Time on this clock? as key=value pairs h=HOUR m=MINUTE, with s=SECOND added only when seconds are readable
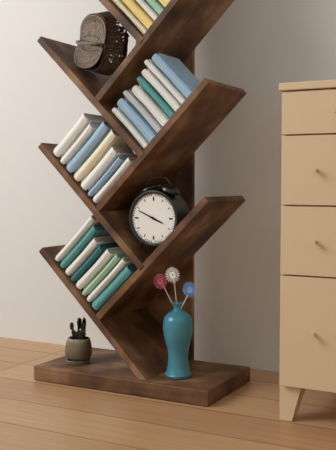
h=3 m=49
